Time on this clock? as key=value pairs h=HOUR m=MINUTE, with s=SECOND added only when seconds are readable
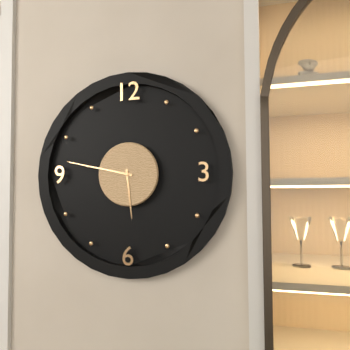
h=5 m=47
